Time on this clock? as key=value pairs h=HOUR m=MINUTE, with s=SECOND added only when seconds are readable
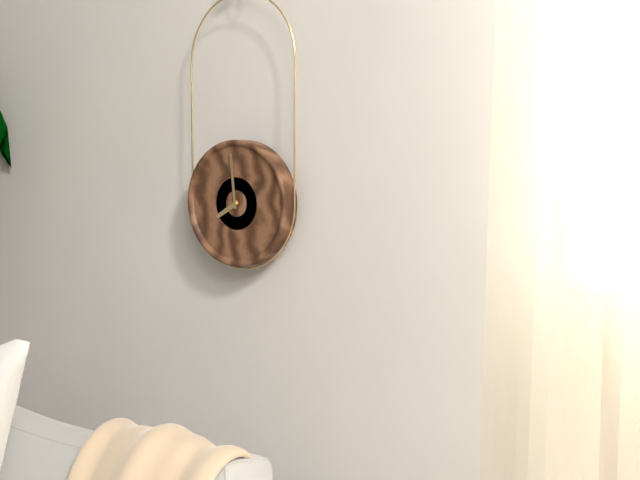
h=7 m=59
